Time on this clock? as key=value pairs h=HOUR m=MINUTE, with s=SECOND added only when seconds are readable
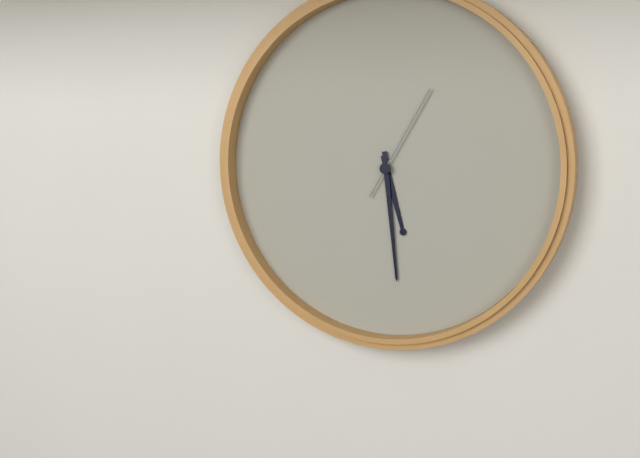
h=5 m=29 s=5
